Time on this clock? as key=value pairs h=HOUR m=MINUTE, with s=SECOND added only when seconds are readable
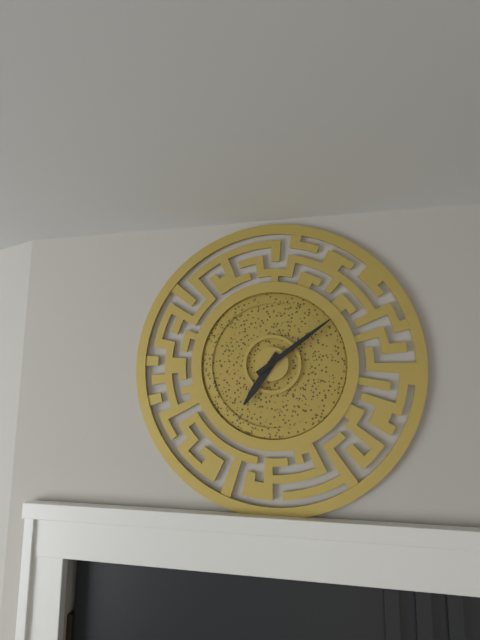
h=7 m=9
